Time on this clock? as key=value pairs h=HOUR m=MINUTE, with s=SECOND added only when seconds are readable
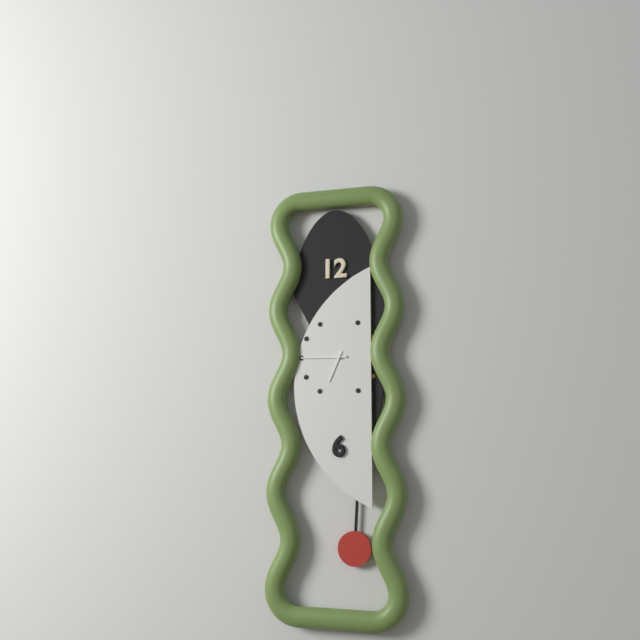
h=6 m=45
